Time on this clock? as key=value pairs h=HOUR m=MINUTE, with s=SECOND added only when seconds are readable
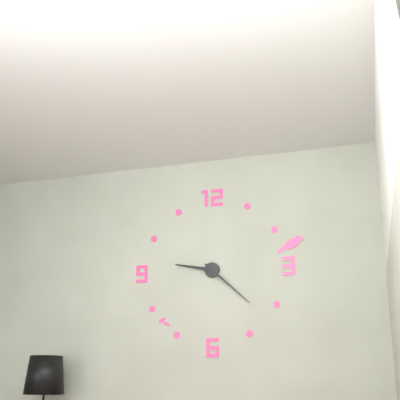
h=9 m=22
